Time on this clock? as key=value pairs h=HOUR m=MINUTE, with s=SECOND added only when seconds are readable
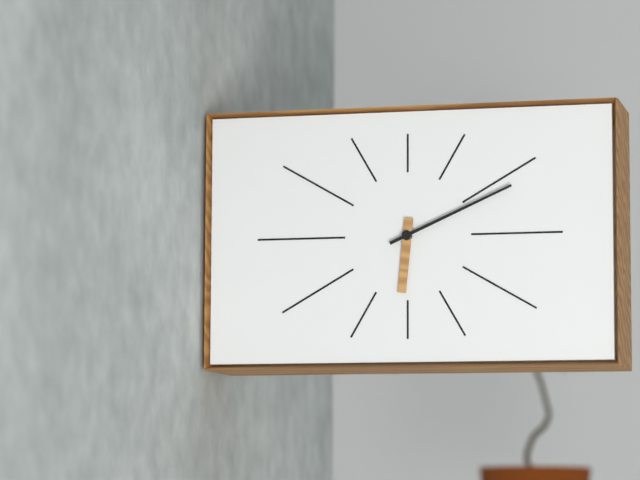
h=6 m=11
